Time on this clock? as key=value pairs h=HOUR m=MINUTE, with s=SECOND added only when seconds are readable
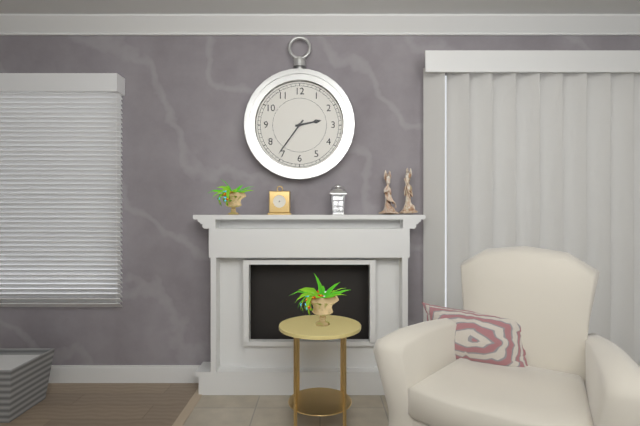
h=2 m=36
